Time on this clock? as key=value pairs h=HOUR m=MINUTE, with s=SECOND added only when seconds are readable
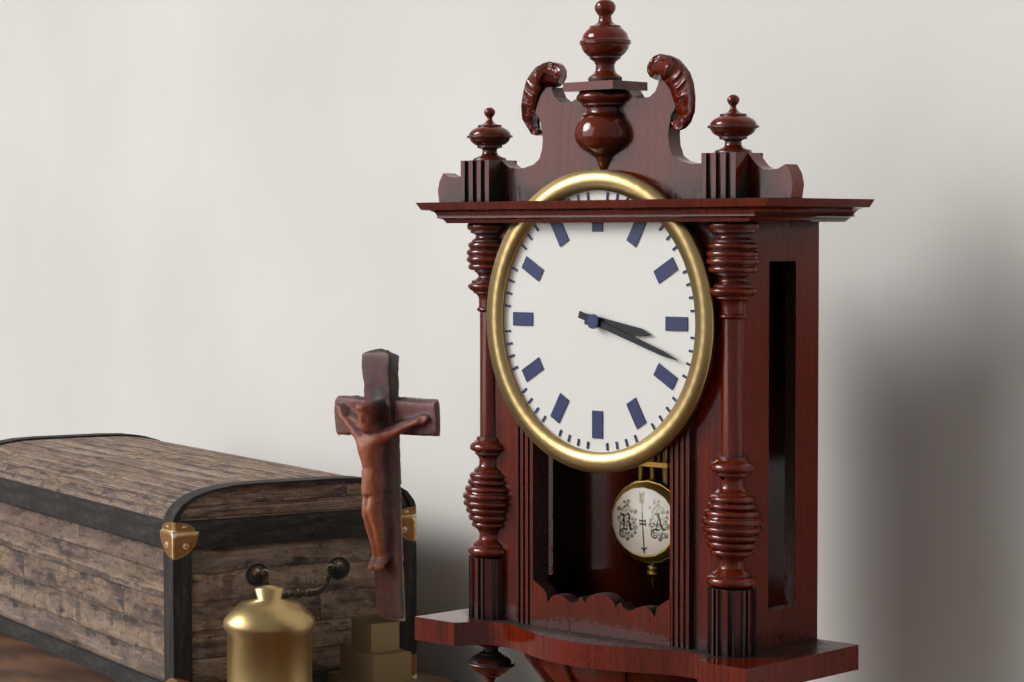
h=3 m=18
